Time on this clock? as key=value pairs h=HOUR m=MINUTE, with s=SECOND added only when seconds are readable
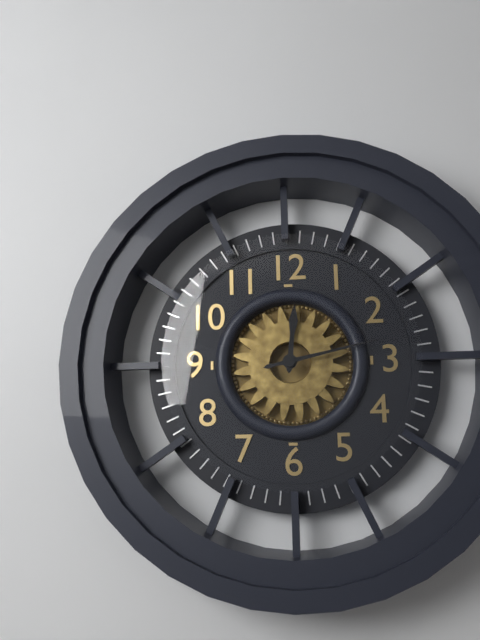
h=12 m=13
